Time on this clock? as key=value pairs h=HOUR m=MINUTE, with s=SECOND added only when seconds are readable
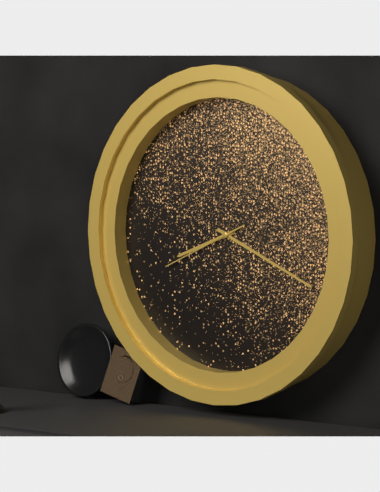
h=8 m=19 s=41
